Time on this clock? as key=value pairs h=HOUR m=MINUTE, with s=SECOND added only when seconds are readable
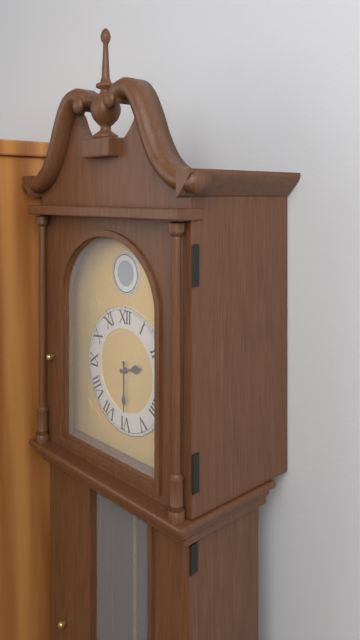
h=2 m=30
